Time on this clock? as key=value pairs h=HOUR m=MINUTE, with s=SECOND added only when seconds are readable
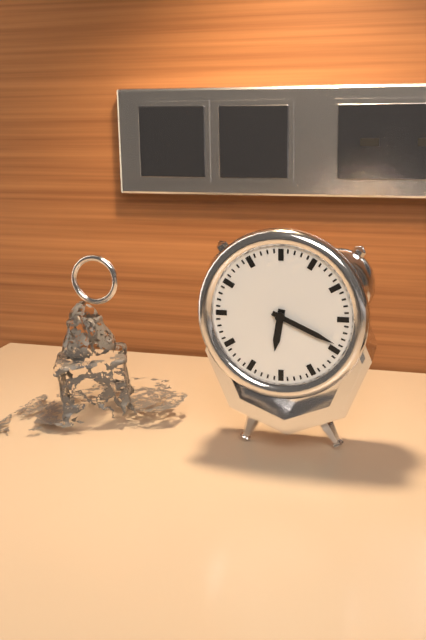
h=6 m=19
